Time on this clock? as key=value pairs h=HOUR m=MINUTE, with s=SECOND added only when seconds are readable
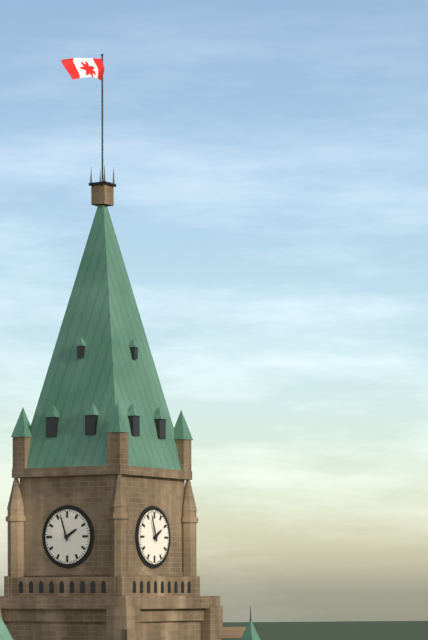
h=1 m=57
